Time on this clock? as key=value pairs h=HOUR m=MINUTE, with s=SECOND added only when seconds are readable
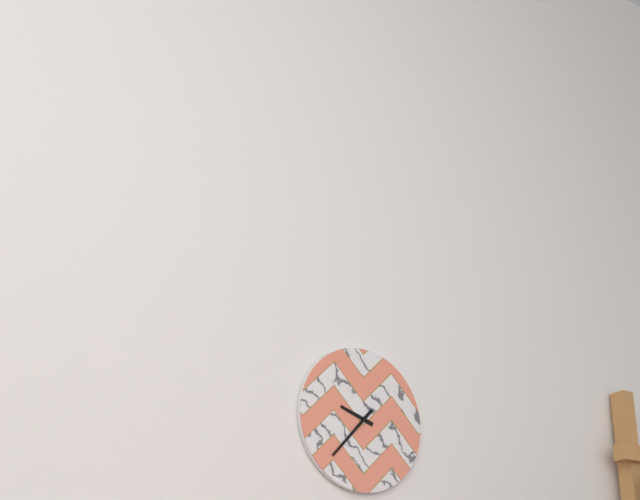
h=9 m=37
